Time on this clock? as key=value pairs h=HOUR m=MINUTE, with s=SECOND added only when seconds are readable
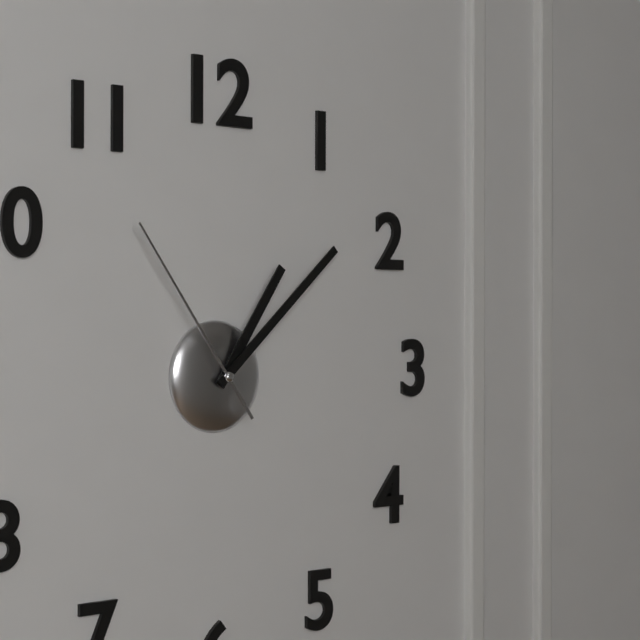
h=1 m=8 s=54
